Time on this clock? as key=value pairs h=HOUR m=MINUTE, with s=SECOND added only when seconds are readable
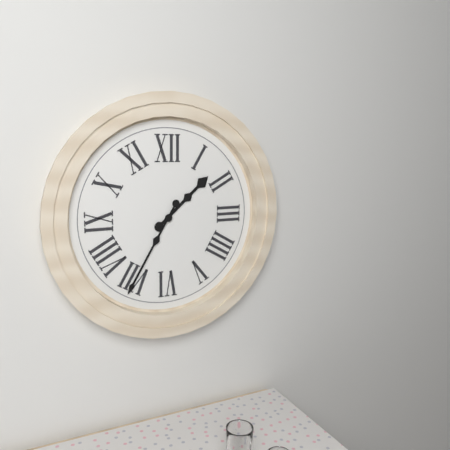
h=1 m=35
